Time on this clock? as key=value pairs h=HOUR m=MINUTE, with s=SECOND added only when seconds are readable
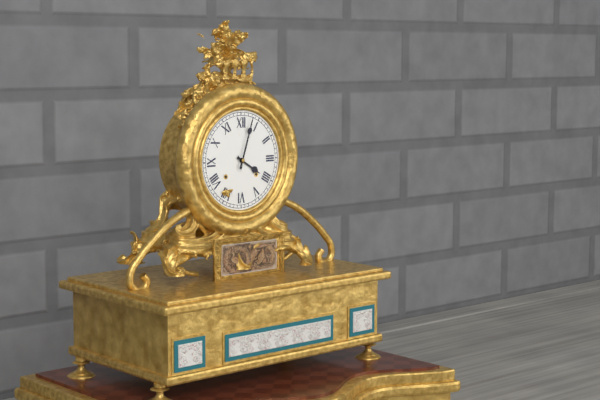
h=4 m=3
